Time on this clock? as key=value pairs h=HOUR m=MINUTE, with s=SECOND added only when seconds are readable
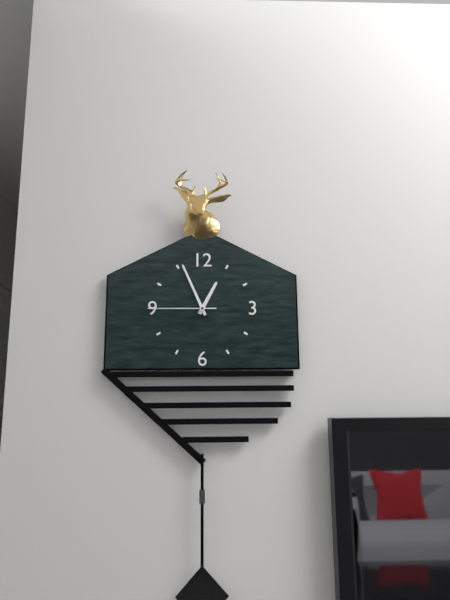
h=12 m=56 s=45
